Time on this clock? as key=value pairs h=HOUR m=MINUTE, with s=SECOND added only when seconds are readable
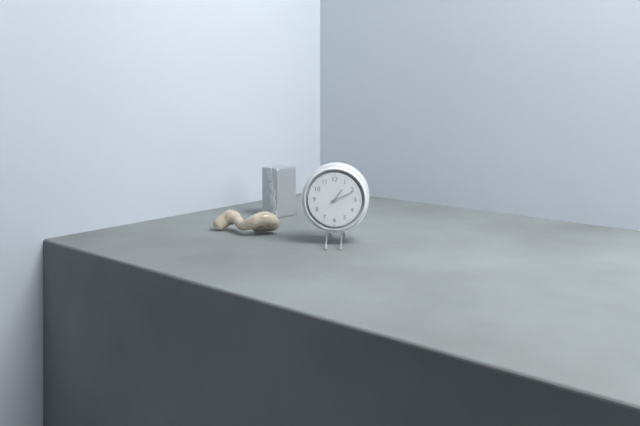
h=1 m=11
